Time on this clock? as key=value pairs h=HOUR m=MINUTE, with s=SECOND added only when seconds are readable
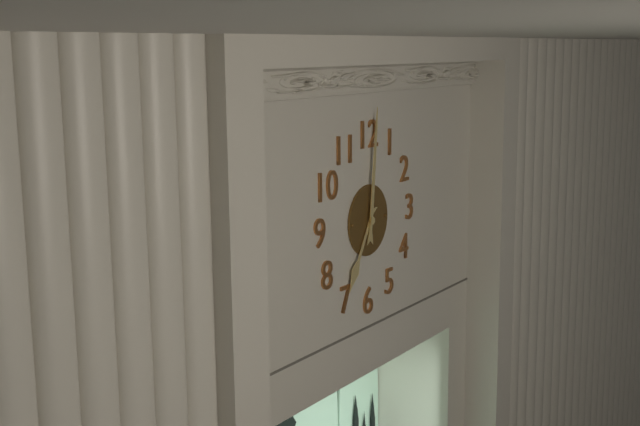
h=7 m=1
